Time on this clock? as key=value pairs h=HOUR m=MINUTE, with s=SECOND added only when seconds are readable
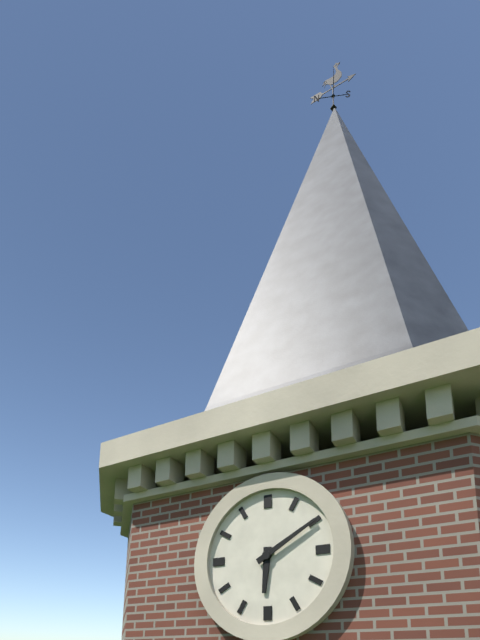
h=6 m=10
